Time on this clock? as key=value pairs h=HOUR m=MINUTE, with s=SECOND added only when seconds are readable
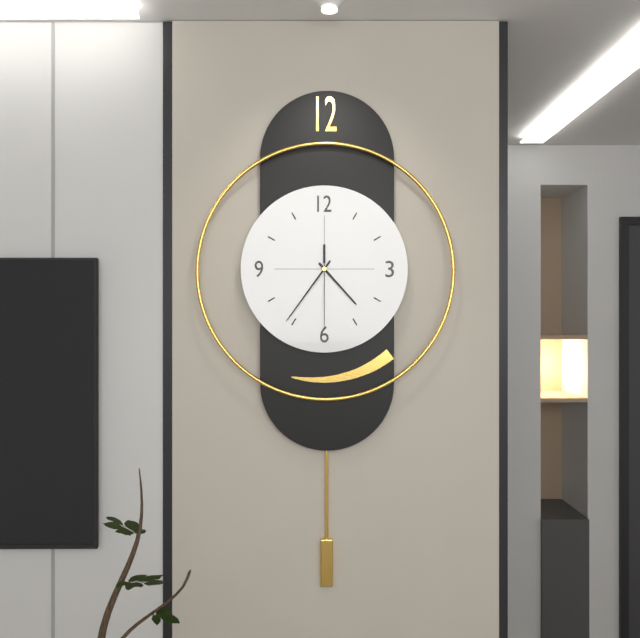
h=4 m=36 s=30
